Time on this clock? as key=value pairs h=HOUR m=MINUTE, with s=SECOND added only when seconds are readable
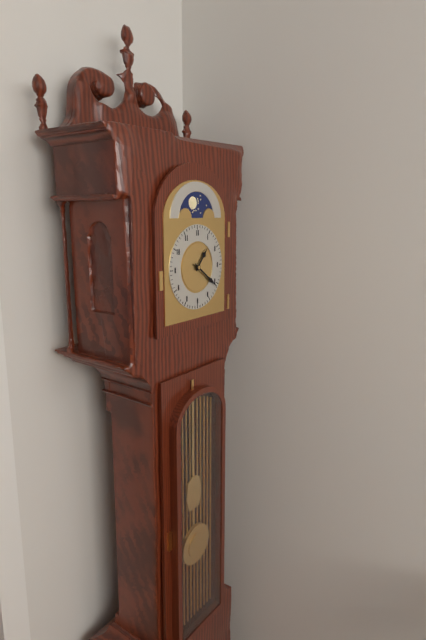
h=1 m=21
